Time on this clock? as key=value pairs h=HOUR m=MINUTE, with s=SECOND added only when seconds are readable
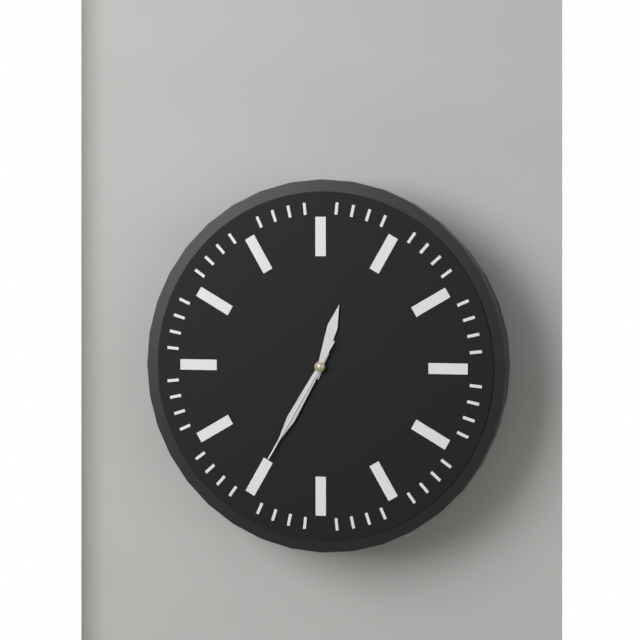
h=12 m=35 s=35
